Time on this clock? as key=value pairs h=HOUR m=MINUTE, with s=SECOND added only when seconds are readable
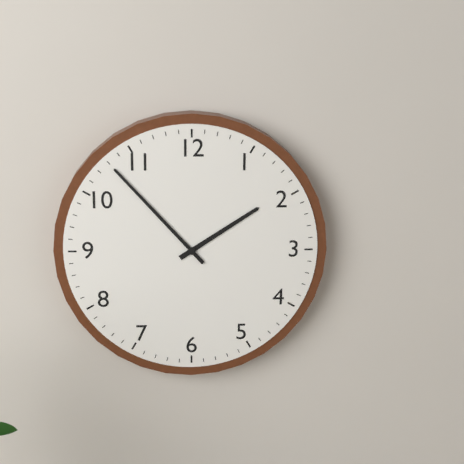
h=1 m=53
